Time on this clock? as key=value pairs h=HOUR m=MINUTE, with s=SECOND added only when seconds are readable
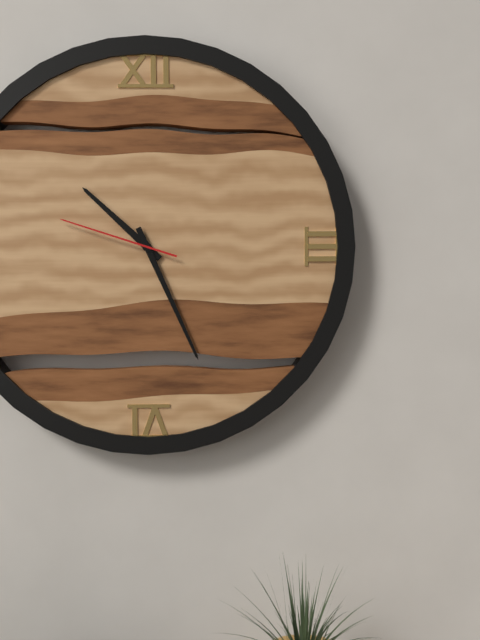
h=10 m=26 s=48
